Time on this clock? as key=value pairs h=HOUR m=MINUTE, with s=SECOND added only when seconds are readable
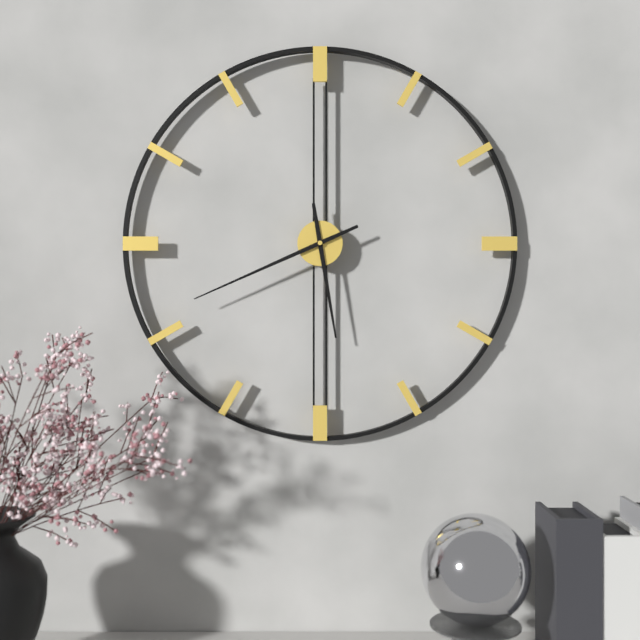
h=5 m=41
